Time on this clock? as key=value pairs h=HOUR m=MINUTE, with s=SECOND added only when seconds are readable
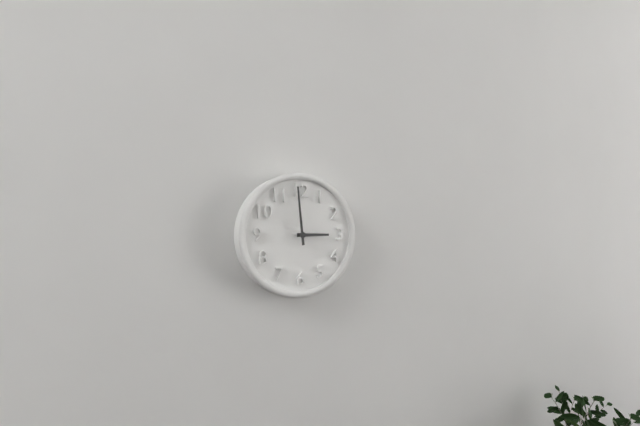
h=2 m=59
